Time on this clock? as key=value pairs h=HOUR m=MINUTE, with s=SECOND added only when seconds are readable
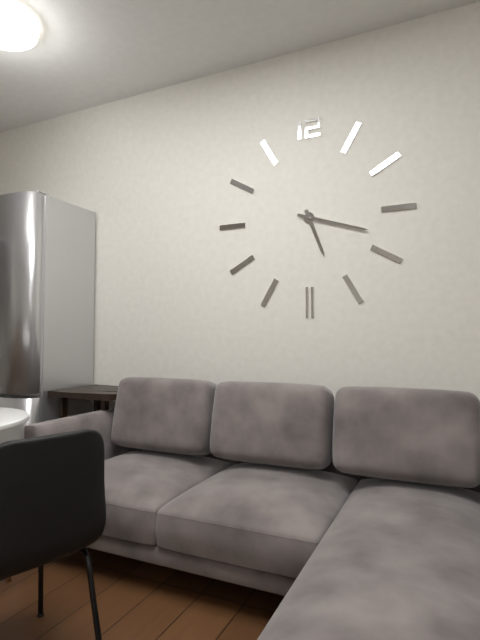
h=5 m=18
